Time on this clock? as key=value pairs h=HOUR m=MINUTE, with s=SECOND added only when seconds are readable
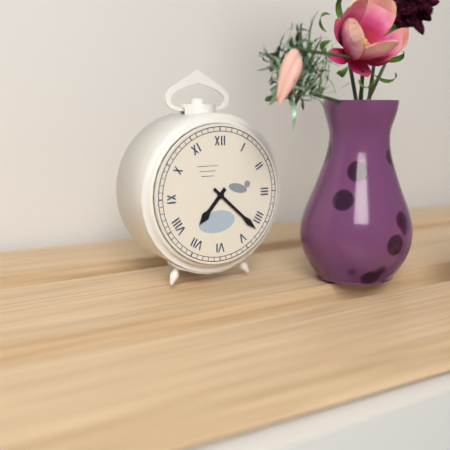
h=7 m=22
